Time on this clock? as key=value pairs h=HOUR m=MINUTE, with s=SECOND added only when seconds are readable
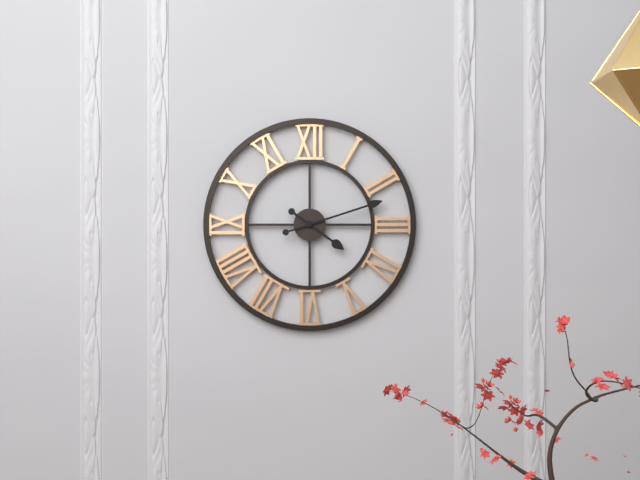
h=4 m=12
